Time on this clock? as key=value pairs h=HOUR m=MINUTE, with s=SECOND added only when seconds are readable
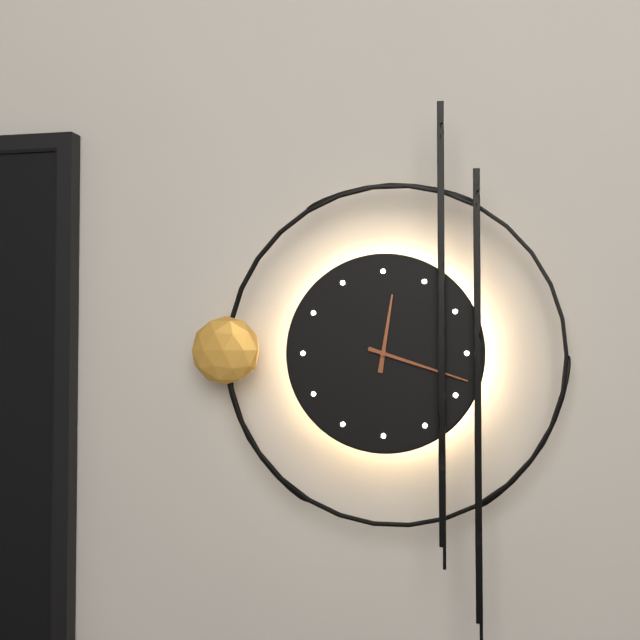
h=12 m=18
